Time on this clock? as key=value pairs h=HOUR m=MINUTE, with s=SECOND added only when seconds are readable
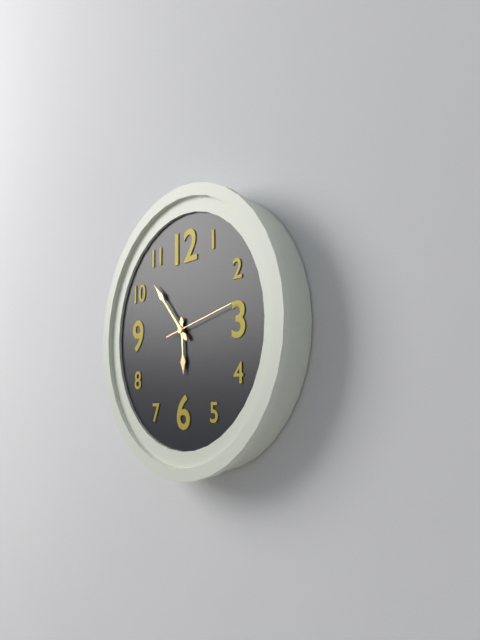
h=5 m=53 s=13
